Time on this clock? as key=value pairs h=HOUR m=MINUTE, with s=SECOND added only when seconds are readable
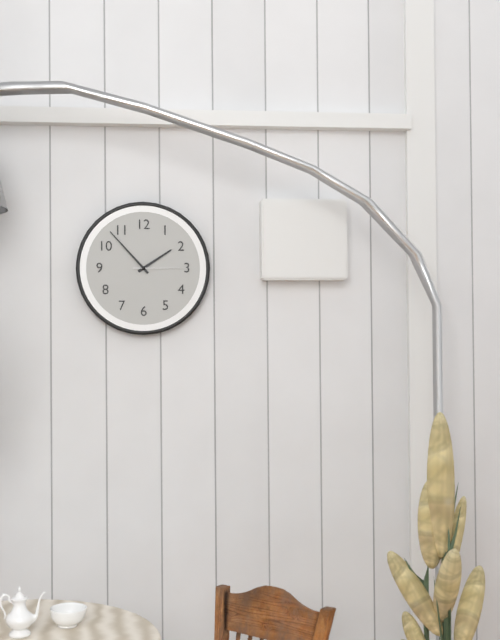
h=1 m=53 s=15
